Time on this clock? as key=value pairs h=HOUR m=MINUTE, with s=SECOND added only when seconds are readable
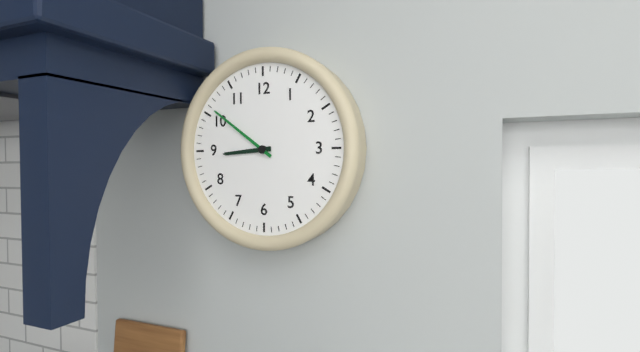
h=8 m=51
